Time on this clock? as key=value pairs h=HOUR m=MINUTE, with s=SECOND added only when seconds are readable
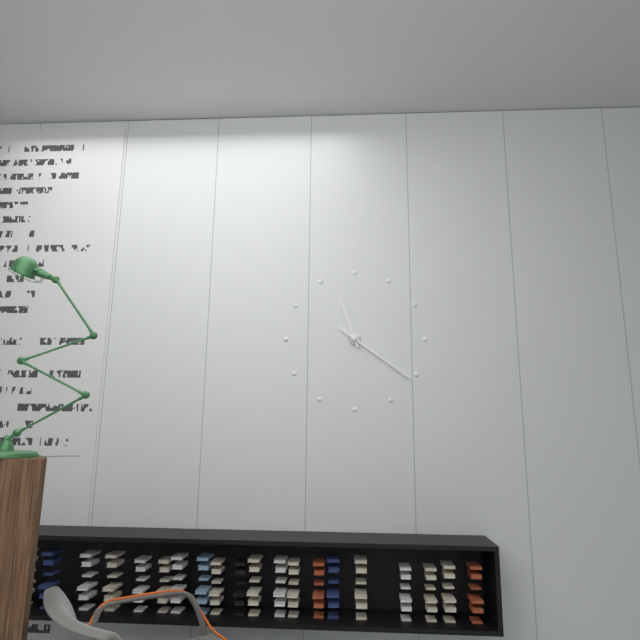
h=11 m=21
